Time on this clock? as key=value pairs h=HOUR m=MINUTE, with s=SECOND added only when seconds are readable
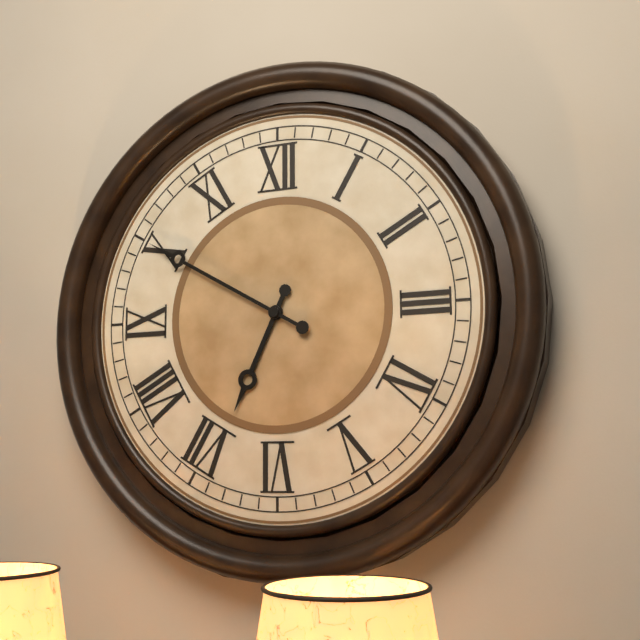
h=6 m=50
